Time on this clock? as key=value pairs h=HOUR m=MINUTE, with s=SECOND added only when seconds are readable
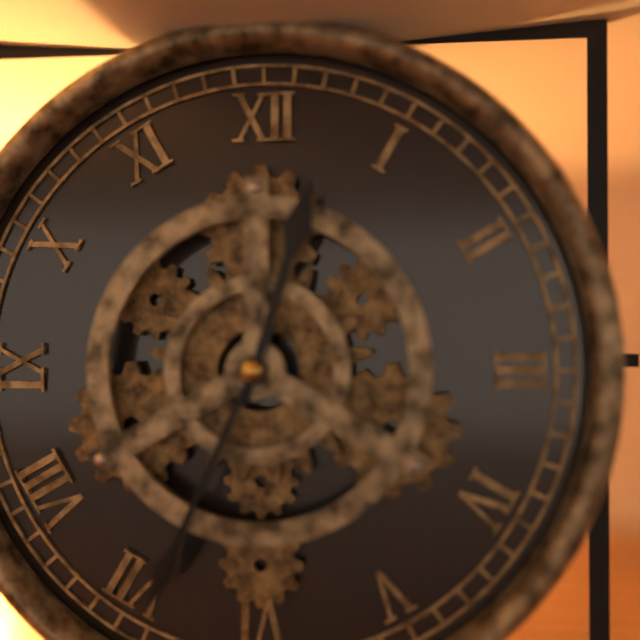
h=12 m=34
